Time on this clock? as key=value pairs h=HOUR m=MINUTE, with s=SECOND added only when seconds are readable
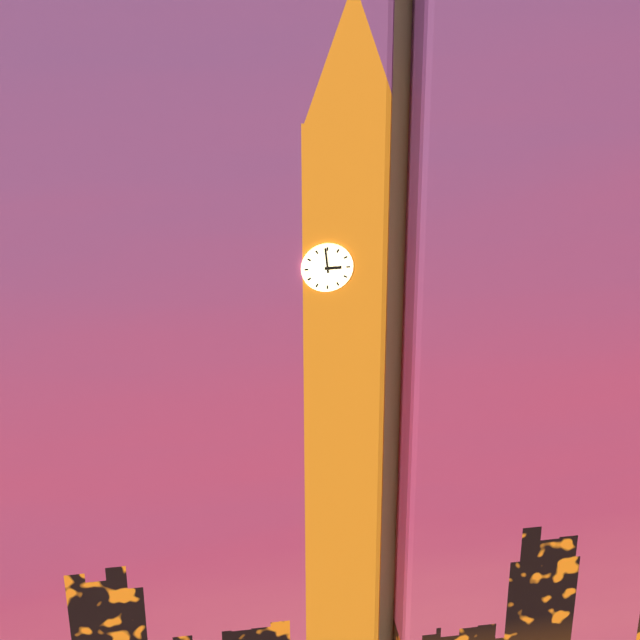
h=2 m=59
